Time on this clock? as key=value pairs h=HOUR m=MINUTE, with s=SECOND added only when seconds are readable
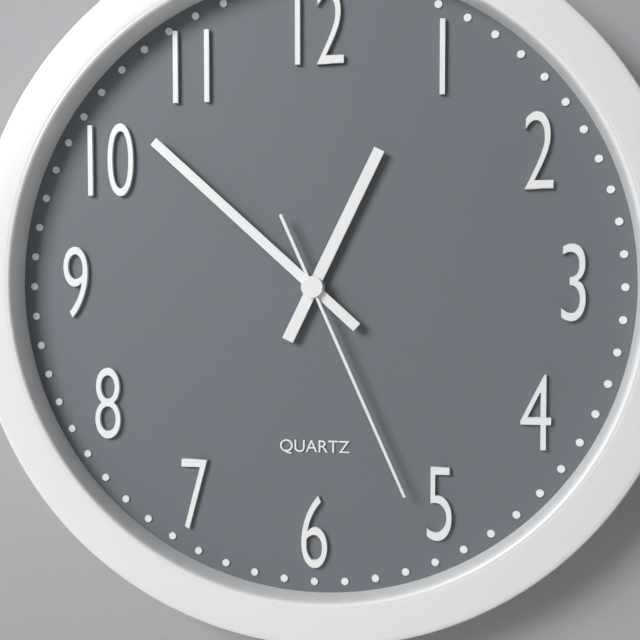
h=12 m=52 s=26
